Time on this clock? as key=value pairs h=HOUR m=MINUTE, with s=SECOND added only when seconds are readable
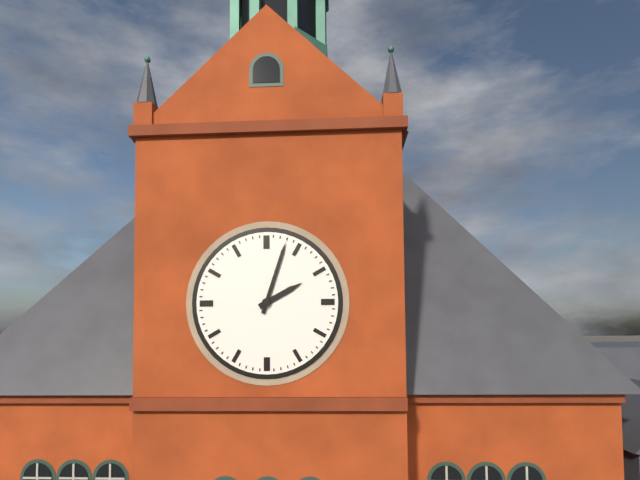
h=2 m=3
